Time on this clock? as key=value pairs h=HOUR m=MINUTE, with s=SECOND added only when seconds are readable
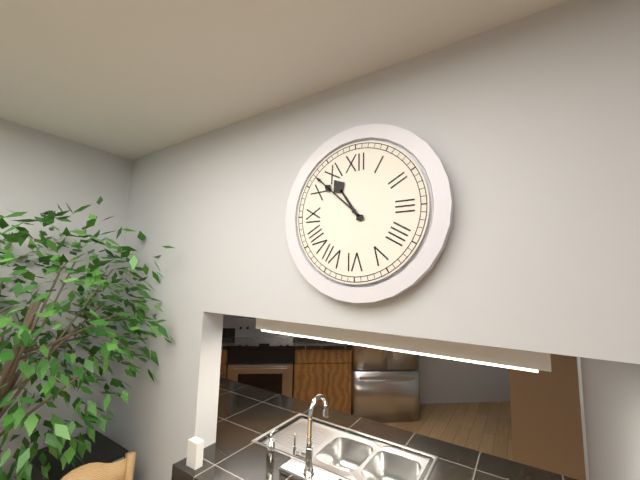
h=10 m=52
